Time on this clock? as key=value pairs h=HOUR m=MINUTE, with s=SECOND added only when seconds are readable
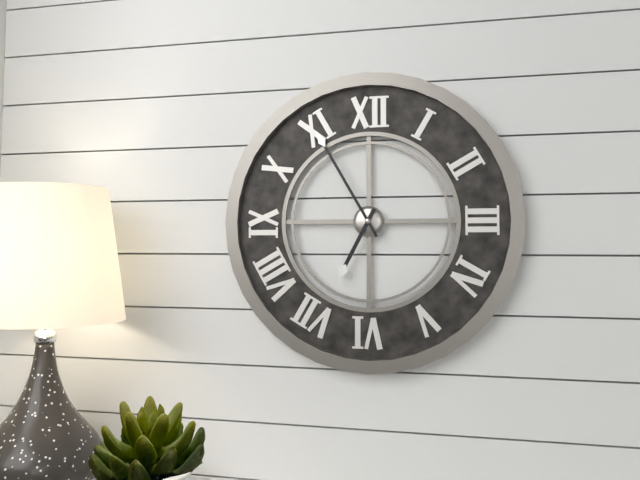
h=6 m=55
